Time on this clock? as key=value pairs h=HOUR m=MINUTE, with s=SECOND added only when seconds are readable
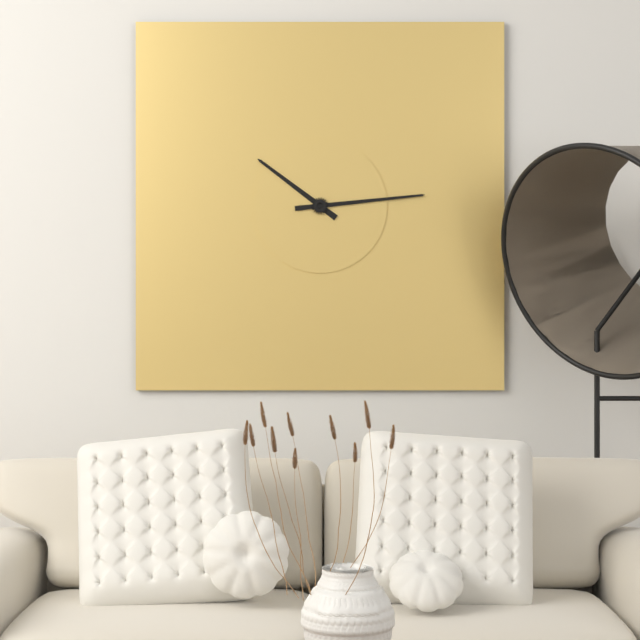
h=10 m=14
